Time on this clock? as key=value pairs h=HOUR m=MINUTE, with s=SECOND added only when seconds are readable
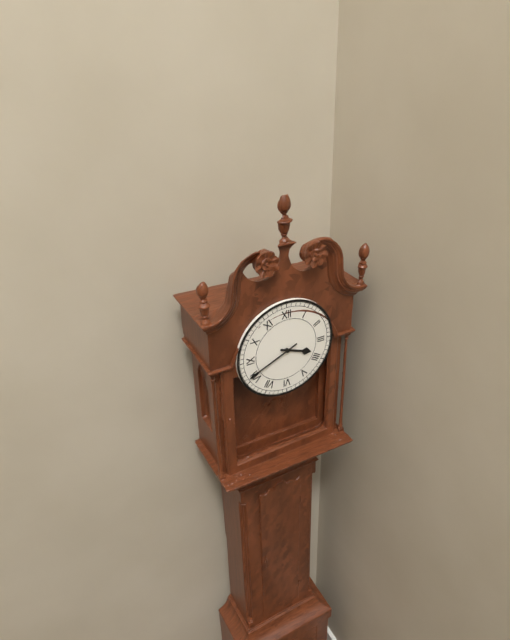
h=3 m=41
